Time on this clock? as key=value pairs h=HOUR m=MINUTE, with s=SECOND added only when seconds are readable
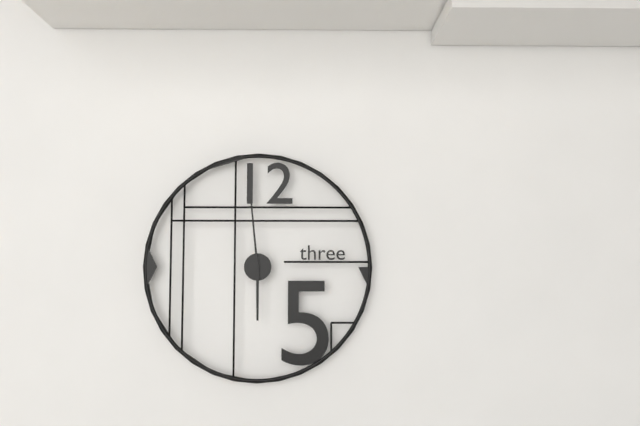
h=5 m=59
